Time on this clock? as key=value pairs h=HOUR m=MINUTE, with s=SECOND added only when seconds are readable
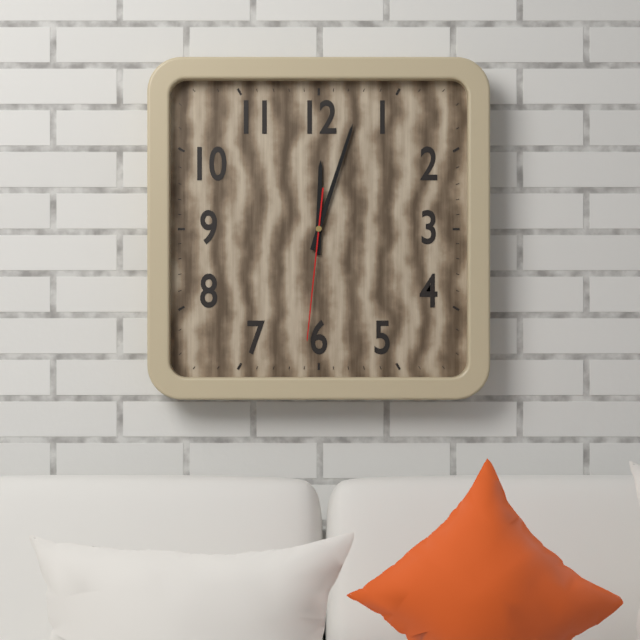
h=12 m=3 s=31
